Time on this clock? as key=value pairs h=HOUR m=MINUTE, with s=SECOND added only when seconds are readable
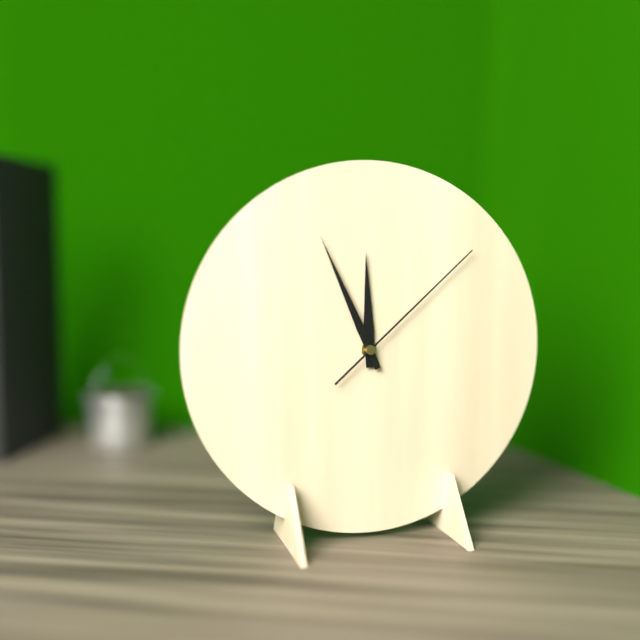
h=11 m=56 s=8
